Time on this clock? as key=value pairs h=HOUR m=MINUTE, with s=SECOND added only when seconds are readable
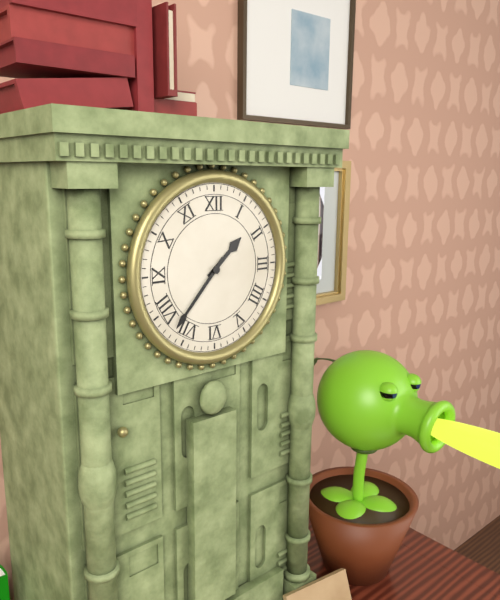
h=1 m=37
